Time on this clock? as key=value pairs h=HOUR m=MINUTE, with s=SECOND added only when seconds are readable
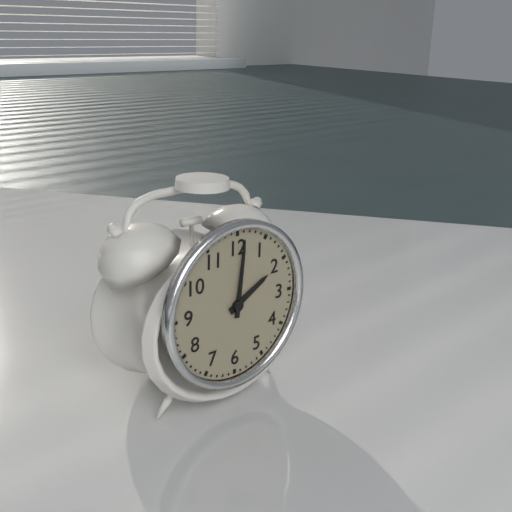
h=2 m=1
